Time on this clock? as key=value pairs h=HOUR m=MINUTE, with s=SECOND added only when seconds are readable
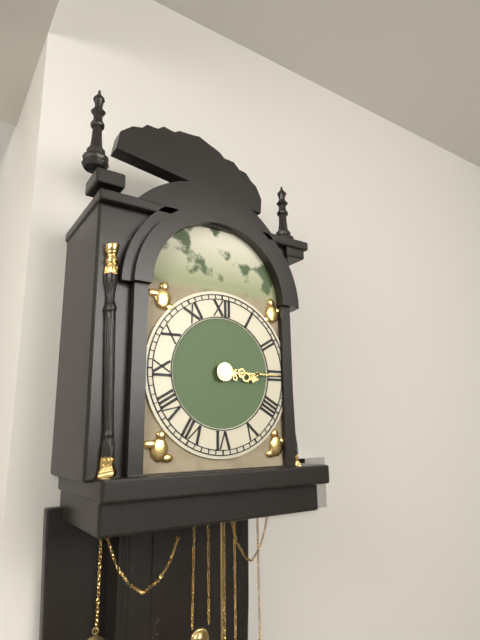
h=3 m=15
